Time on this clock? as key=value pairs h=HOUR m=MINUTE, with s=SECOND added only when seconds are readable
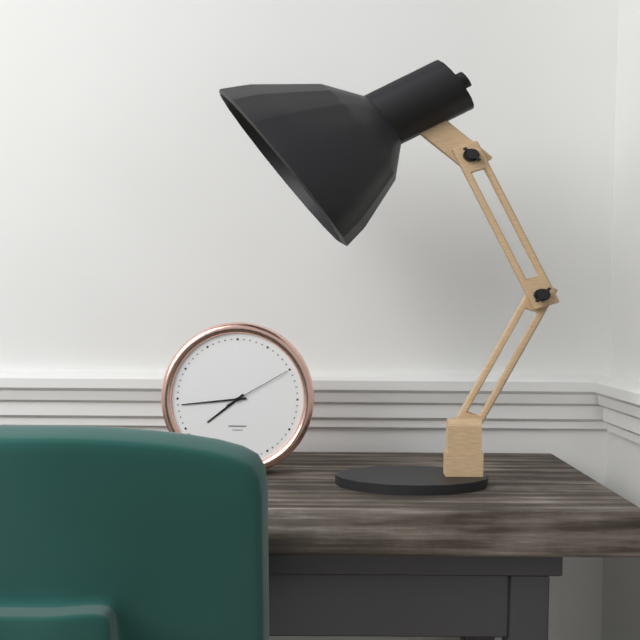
h=7 m=44 s=10
